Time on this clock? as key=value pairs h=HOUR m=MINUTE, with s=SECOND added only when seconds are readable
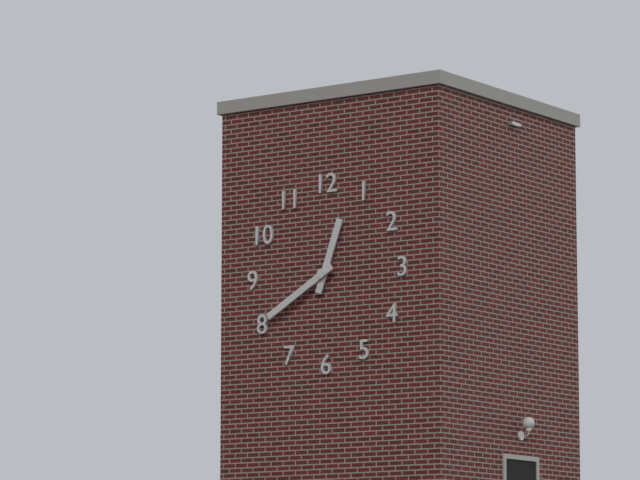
h=12 m=40
